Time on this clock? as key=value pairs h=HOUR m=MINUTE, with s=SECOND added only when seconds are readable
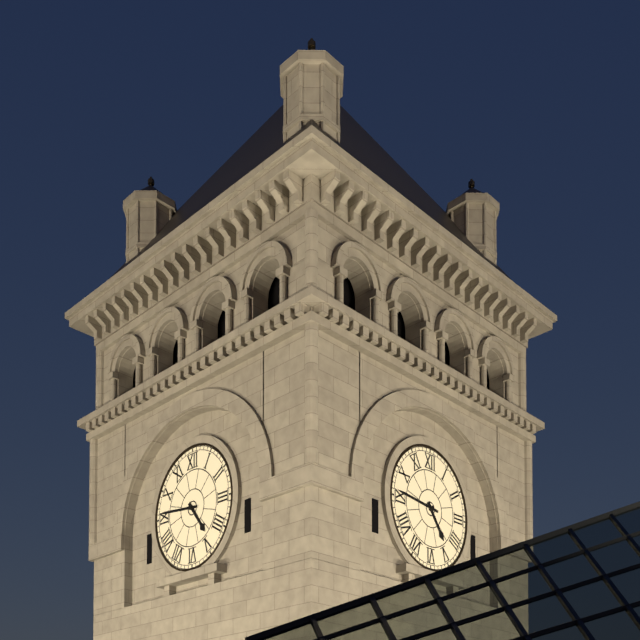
h=4 m=46
